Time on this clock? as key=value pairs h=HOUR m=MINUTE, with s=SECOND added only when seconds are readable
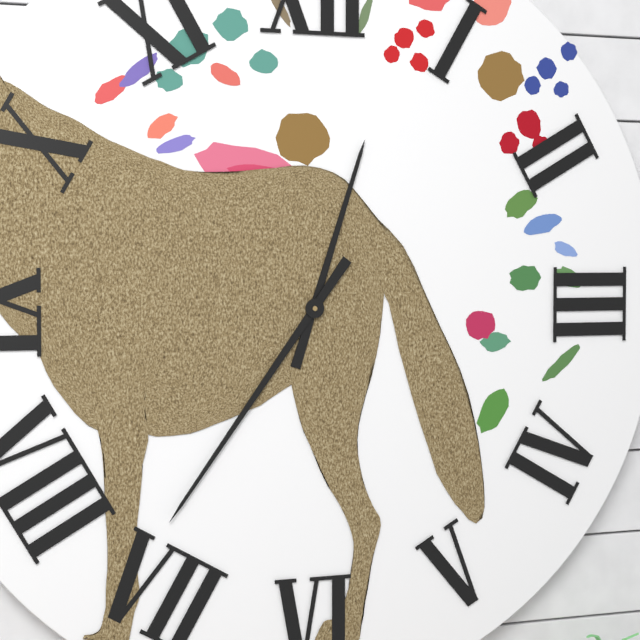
h=12 m=36
